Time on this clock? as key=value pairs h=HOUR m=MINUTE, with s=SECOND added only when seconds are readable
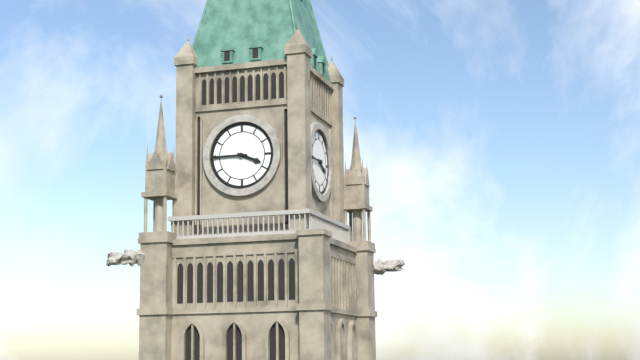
h=3 m=45
